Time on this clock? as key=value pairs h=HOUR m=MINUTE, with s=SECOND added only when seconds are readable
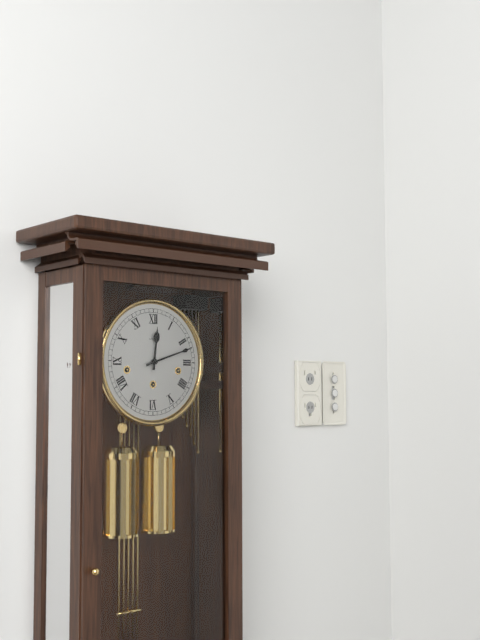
h=12 m=12
